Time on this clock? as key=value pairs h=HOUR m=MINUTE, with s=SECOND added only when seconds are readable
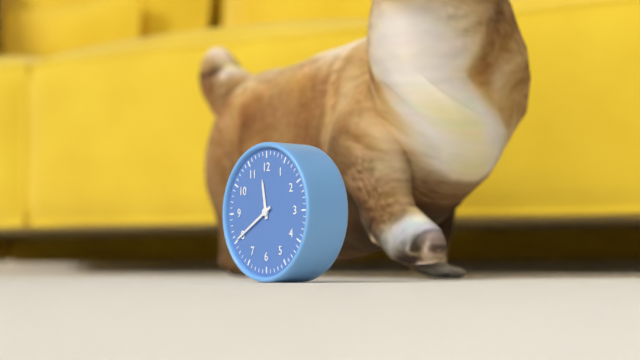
h=11 m=40
